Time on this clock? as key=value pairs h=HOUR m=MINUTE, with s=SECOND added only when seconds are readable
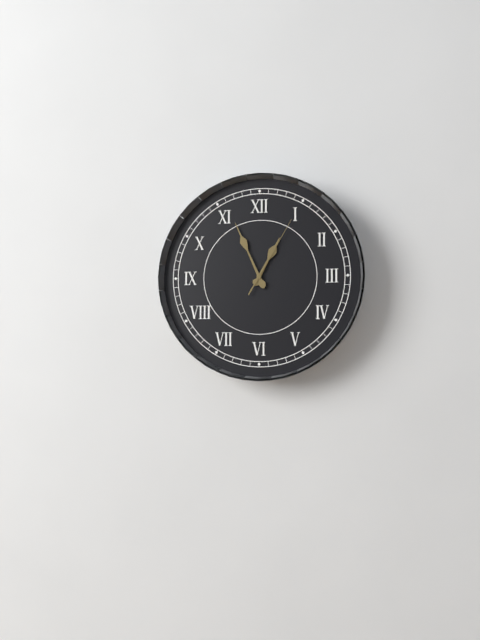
h=12 m=56 s=5
